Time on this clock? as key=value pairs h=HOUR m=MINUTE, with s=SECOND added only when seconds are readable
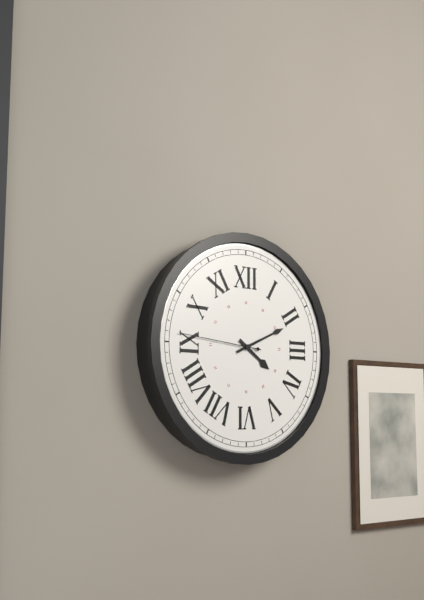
h=4 m=11 s=46
